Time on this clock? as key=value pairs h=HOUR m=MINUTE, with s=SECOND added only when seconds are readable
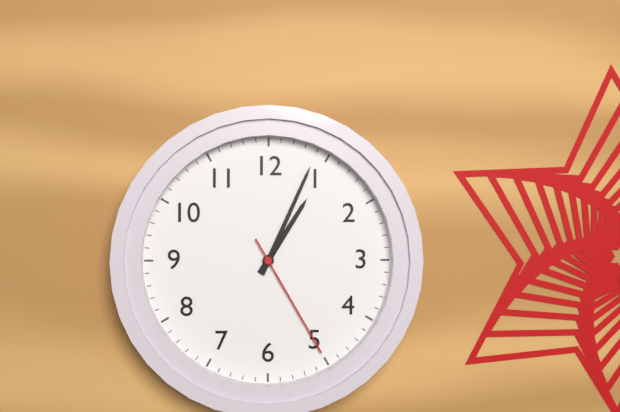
h=1 m=4 s=25
